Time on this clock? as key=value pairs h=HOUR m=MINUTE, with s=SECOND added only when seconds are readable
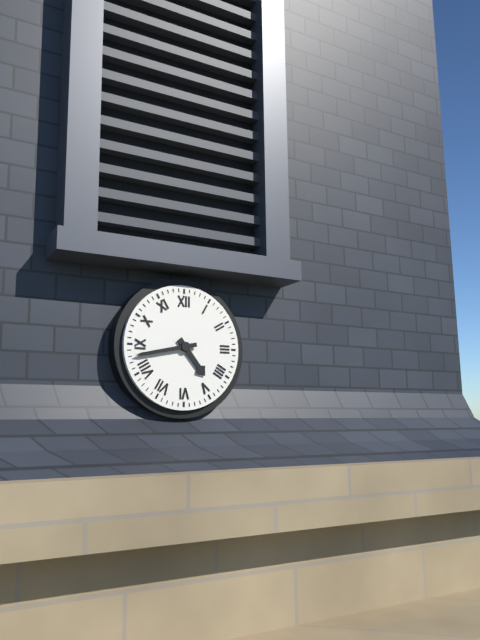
h=4 m=43
